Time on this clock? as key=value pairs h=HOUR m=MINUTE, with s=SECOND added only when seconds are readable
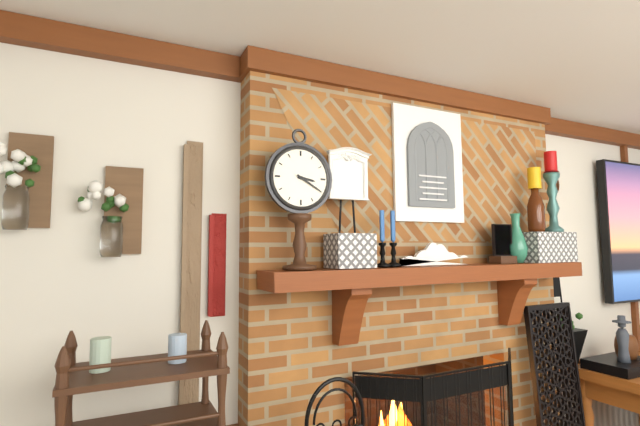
h=3 m=20
